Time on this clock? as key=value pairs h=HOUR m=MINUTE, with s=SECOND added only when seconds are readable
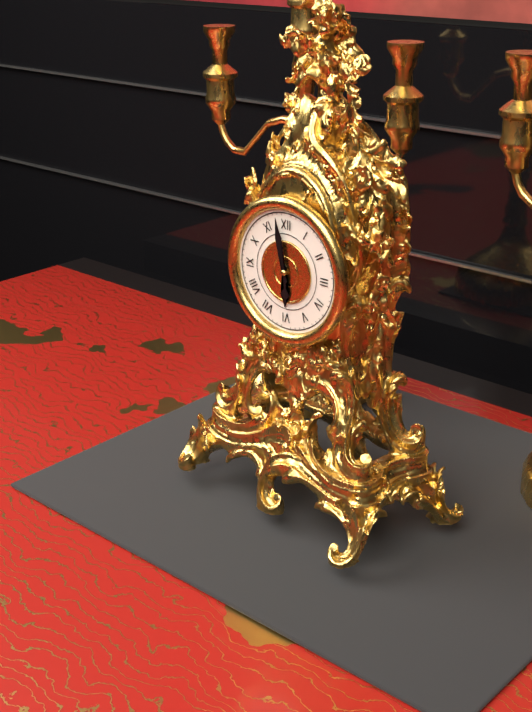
h=5 m=58
